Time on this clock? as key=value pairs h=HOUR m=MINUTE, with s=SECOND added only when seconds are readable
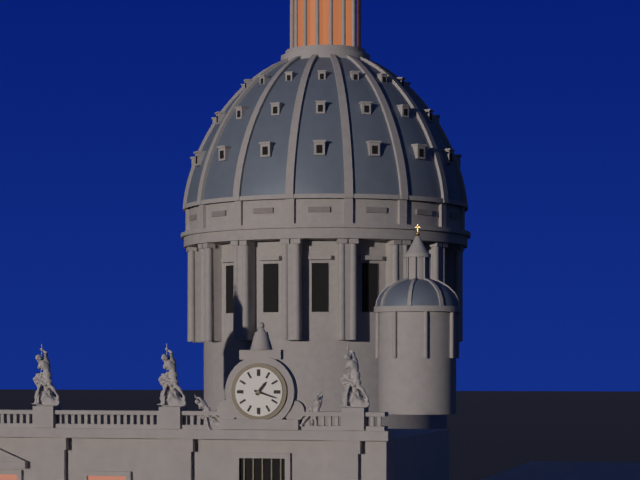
h=1 m=18
